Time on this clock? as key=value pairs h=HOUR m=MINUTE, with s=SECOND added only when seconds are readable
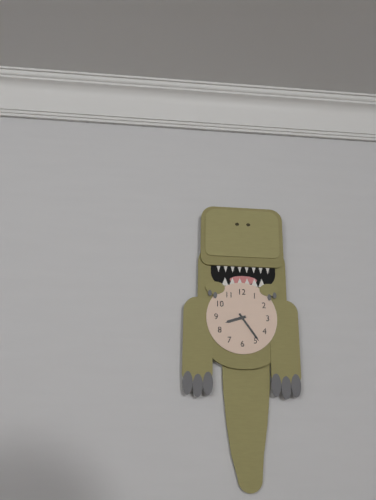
h=8 m=24
